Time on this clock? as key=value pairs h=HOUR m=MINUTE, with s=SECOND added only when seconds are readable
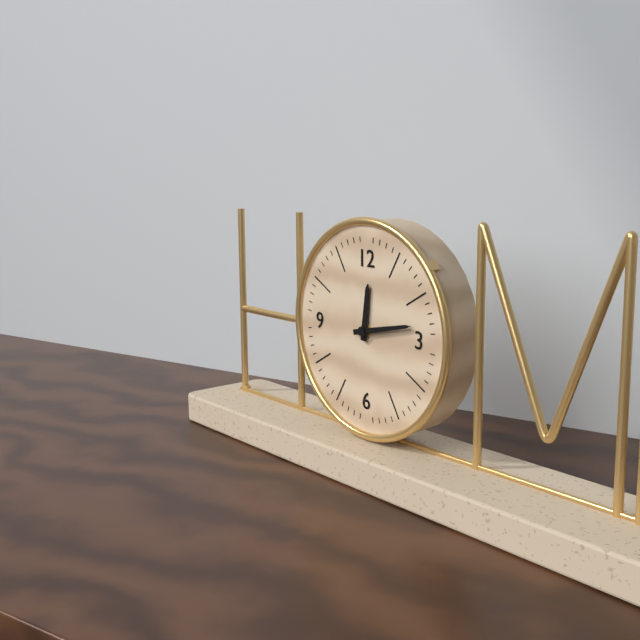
h=12 m=13
